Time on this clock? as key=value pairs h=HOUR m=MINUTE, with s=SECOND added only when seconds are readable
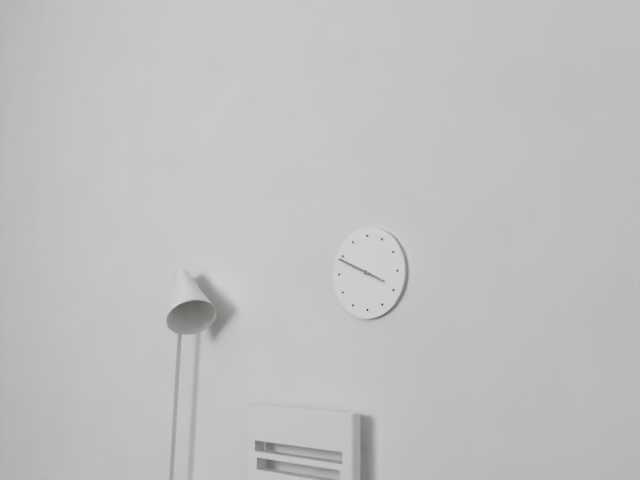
h=3 m=49
